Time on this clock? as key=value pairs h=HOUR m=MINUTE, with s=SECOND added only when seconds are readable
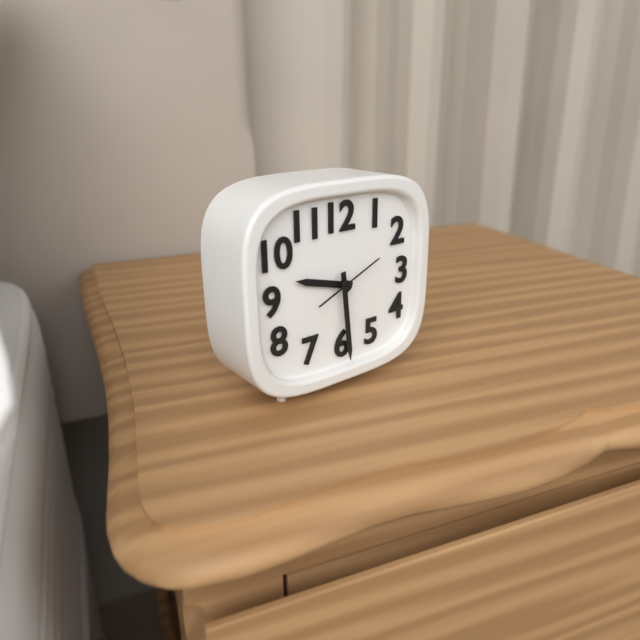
h=9 m=29 s=11
